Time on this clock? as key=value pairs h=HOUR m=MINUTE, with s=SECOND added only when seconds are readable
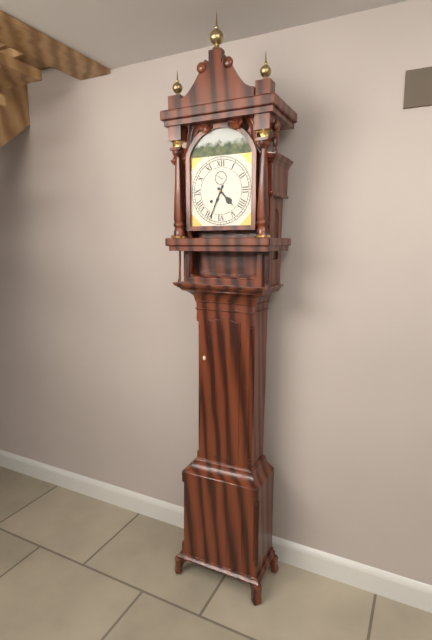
h=4 m=34
